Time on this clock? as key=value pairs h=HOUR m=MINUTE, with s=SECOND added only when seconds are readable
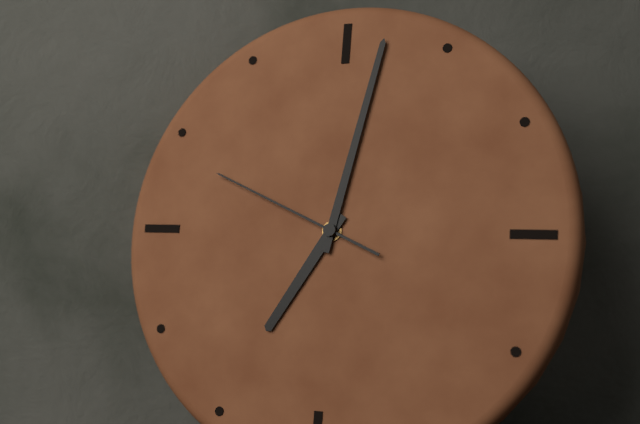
h=7 m=2 s=49
